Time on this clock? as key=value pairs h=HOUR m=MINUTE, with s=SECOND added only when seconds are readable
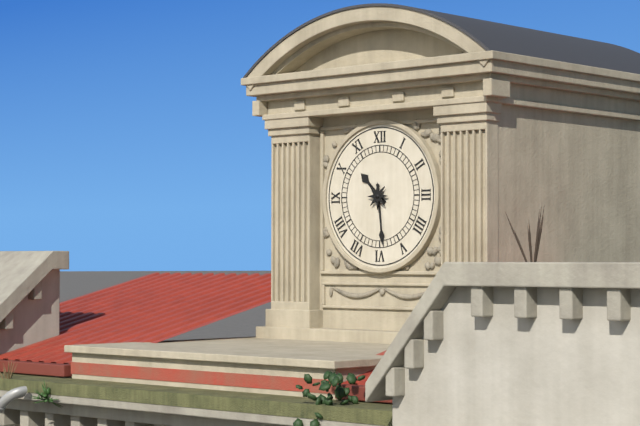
h=10 m=29
